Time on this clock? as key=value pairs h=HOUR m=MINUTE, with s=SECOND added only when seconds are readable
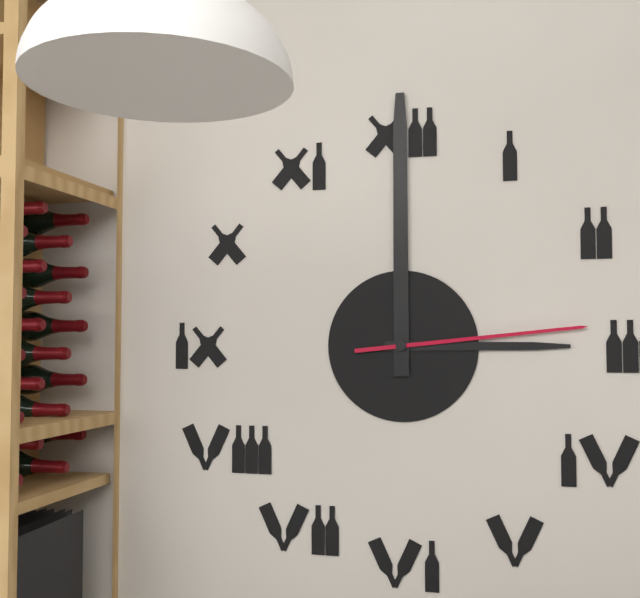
h=3 m=0 s=14
